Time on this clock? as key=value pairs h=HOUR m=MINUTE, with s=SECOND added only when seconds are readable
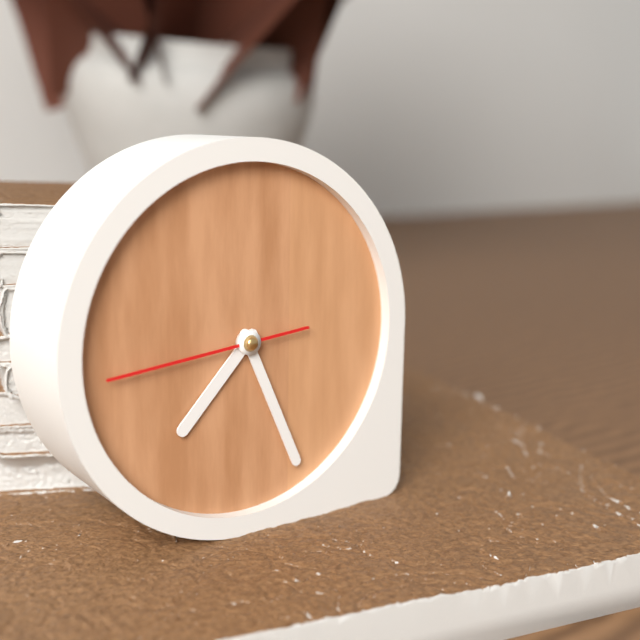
h=7 m=26 s=44
